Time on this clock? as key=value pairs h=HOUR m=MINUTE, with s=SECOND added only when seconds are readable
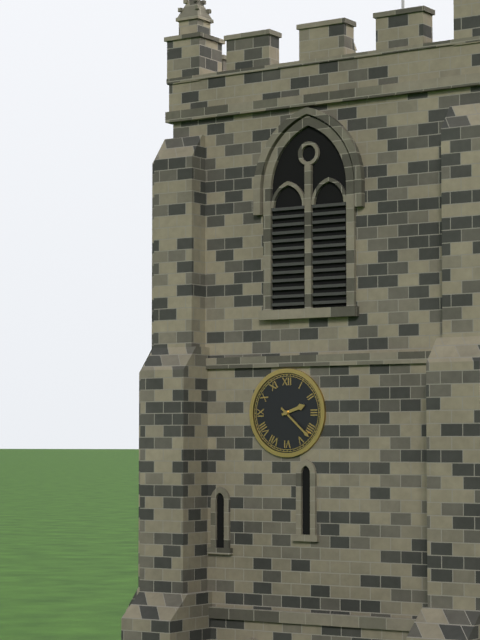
h=2 m=22
